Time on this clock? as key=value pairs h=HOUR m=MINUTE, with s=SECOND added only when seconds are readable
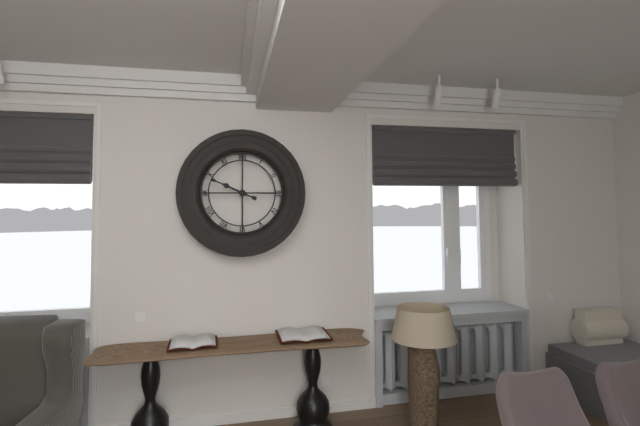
h=9 m=49
